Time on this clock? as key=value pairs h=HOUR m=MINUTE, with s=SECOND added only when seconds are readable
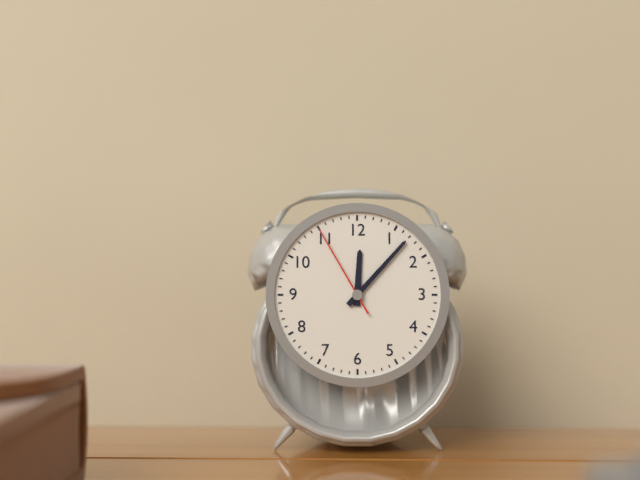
h=12 m=7 s=55
